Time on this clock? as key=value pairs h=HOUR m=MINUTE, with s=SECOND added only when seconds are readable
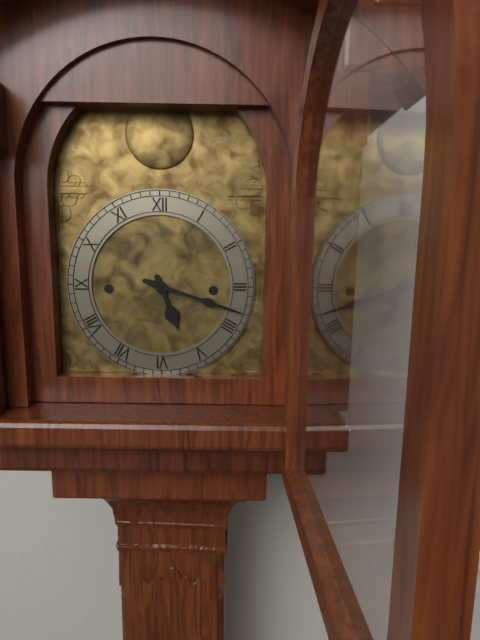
h=5 m=18
